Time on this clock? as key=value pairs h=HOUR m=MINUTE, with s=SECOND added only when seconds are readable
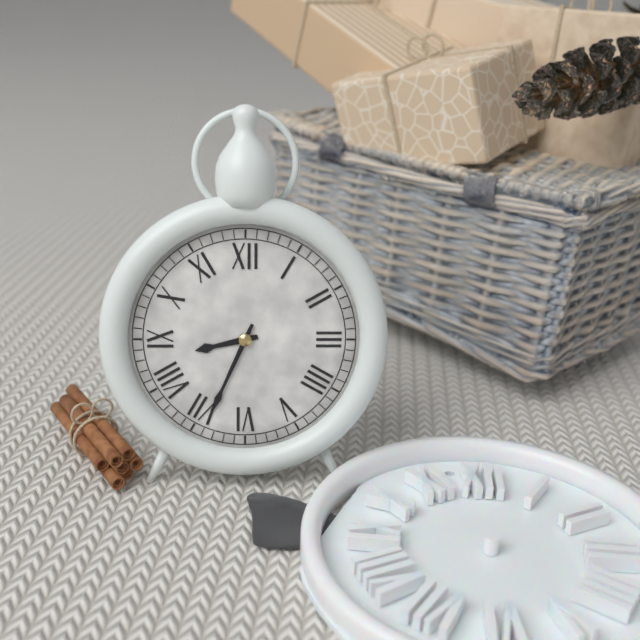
h=8 m=34
